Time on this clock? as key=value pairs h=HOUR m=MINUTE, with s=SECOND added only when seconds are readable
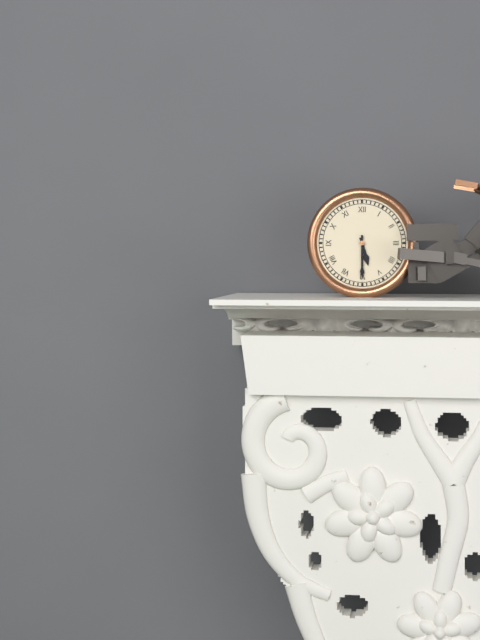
h=5 m=30
